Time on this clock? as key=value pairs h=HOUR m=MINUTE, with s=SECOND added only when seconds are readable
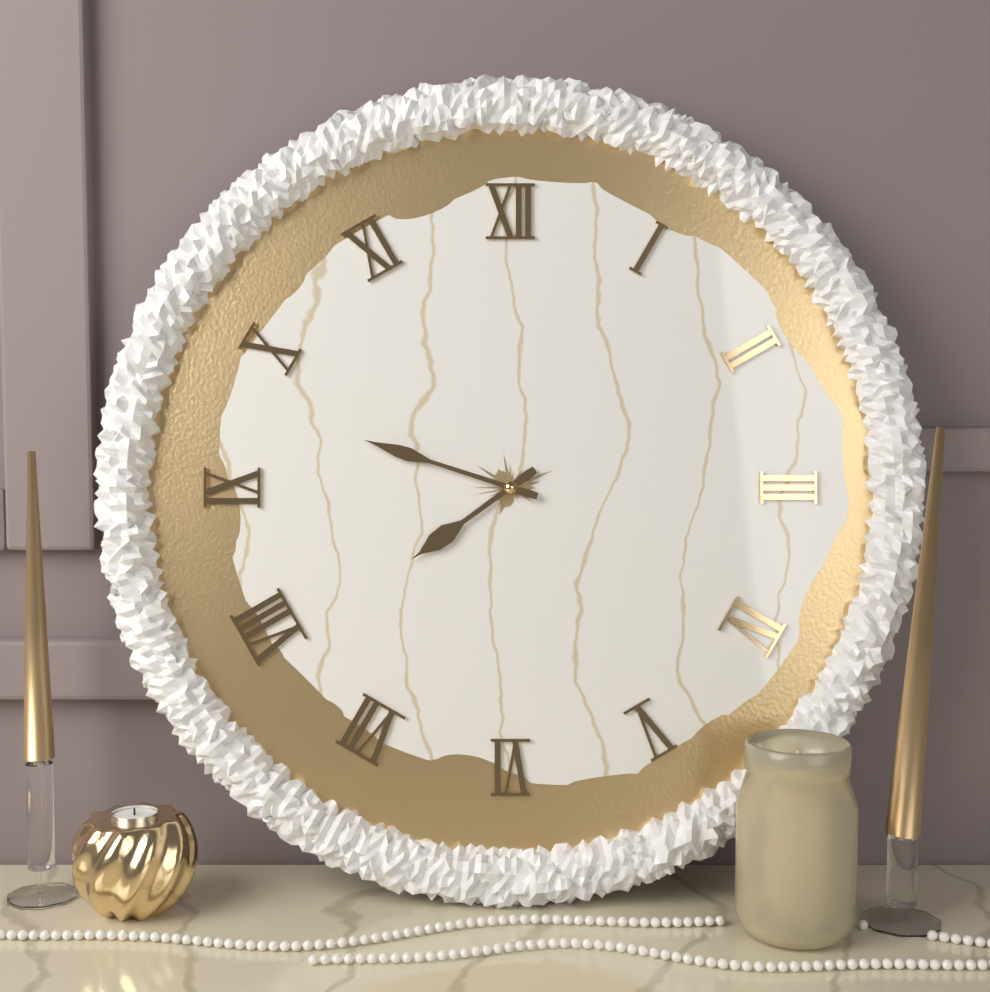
h=7 m=48
